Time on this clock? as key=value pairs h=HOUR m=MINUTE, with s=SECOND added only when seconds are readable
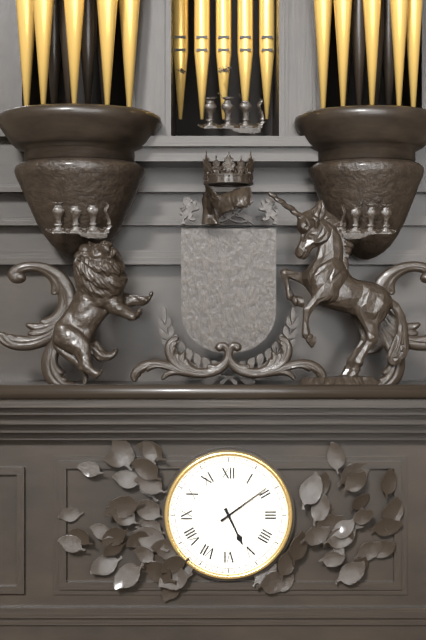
h=5 m=9
